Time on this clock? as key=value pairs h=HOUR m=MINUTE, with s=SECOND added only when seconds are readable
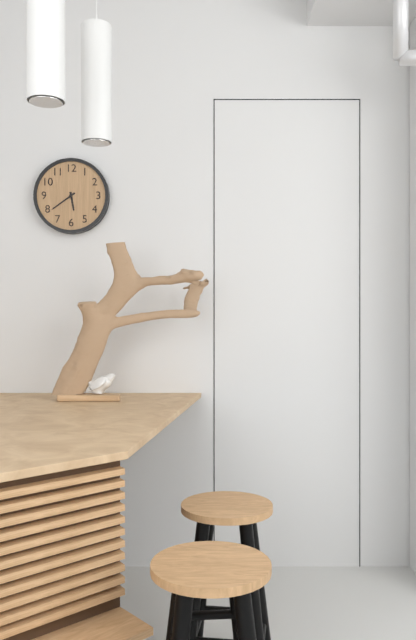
h=5 m=39
